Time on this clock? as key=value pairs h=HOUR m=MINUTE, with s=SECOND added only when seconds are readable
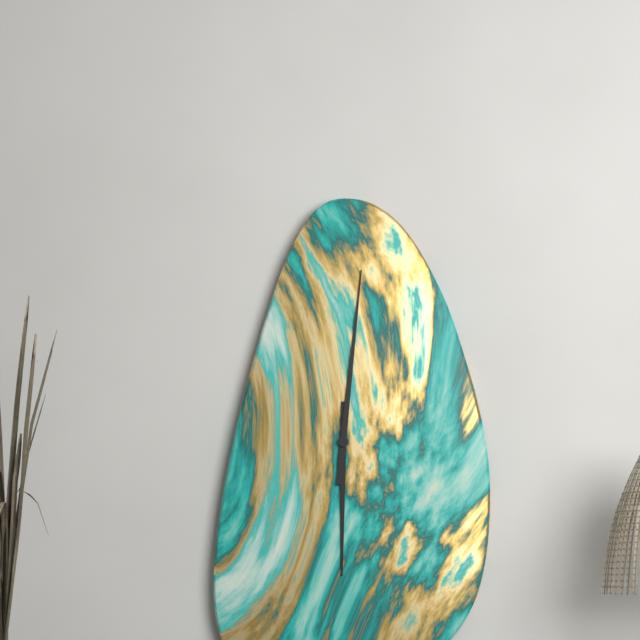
h=6 m=1
